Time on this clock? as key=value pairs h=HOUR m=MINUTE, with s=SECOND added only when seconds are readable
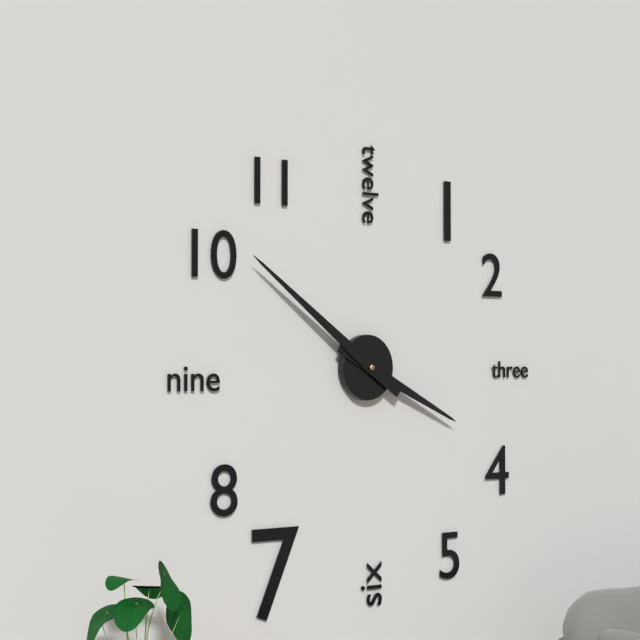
h=3 m=51
